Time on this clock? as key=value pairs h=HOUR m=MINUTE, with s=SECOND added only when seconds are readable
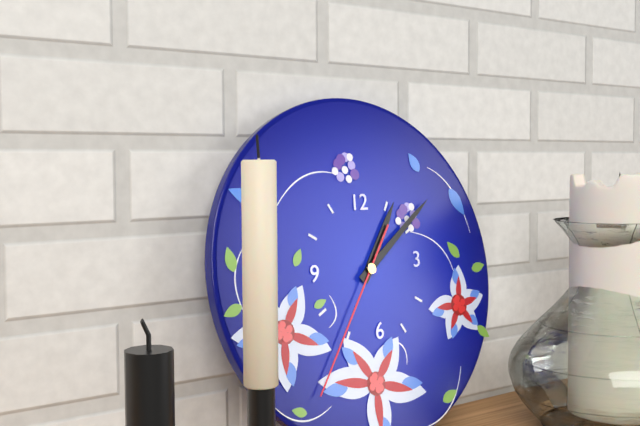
h=1 m=9 s=36
